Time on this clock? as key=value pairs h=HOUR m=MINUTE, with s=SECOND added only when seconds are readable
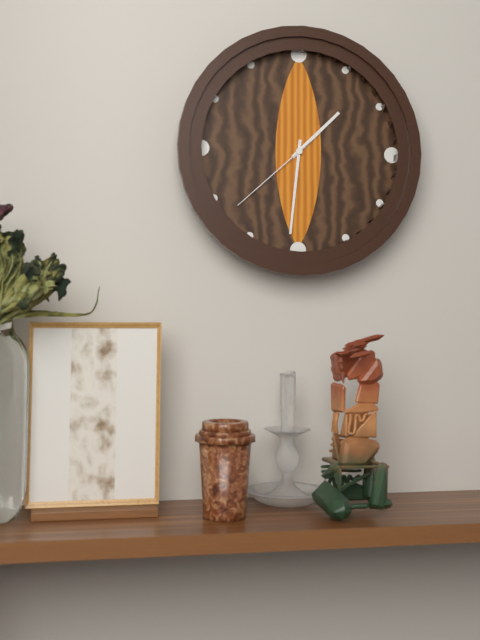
h=1 m=31 s=38
